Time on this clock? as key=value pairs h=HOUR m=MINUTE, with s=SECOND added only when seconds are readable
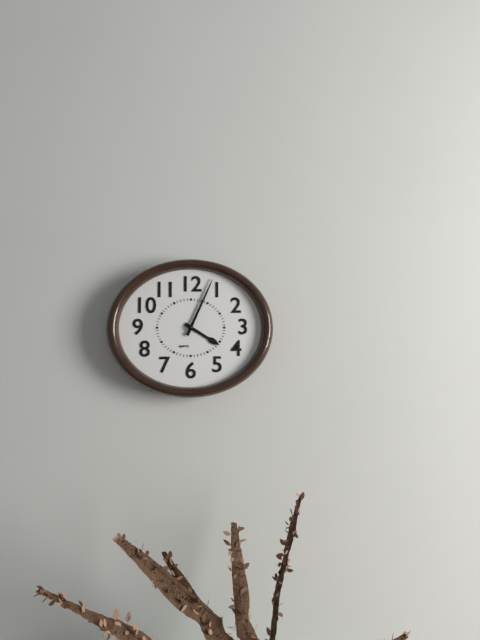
h=4 m=4
